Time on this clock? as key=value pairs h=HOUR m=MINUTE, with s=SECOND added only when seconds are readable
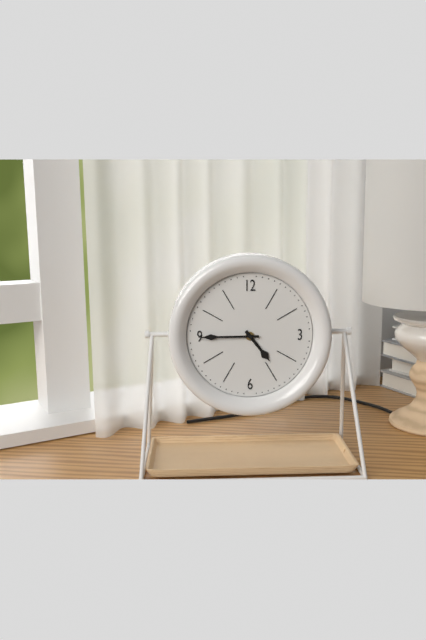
h=4 m=45
